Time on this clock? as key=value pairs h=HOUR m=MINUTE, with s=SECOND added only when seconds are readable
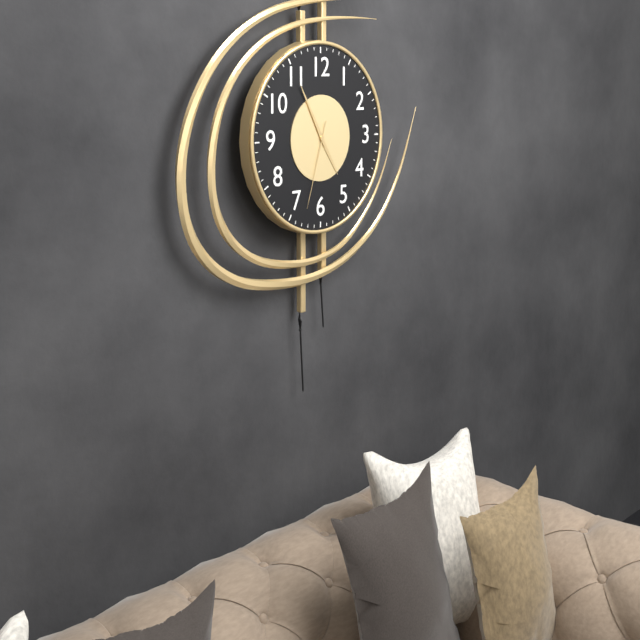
h=4 m=55 s=33
